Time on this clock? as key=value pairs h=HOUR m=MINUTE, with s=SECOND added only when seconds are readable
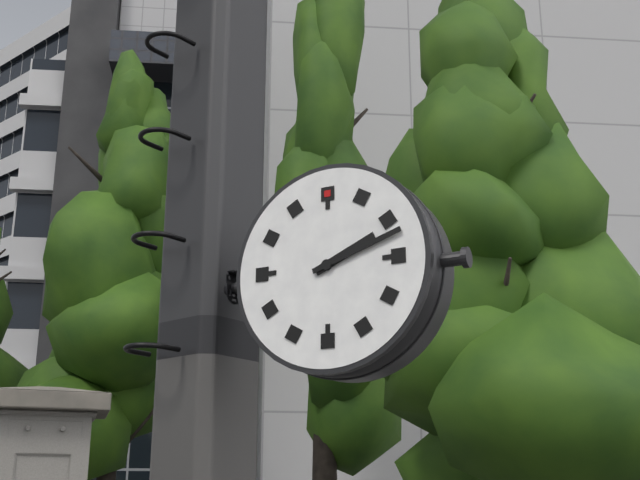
h=2 m=12
